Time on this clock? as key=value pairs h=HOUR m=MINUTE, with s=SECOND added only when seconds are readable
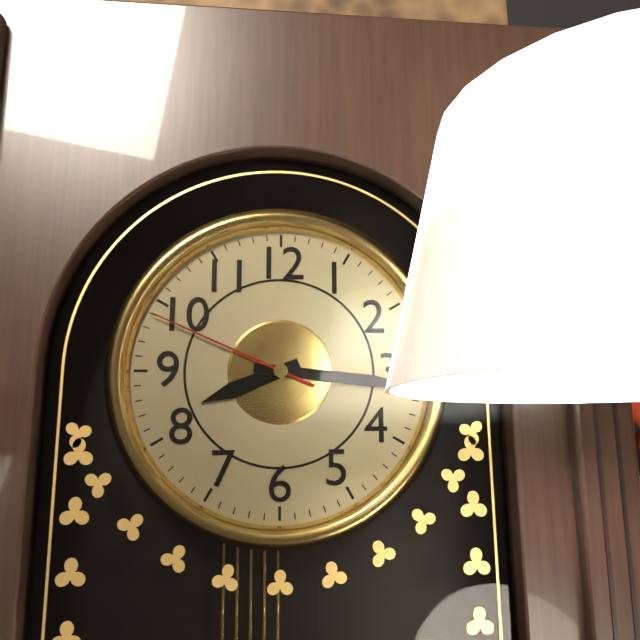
h=8 m=16 s=49
